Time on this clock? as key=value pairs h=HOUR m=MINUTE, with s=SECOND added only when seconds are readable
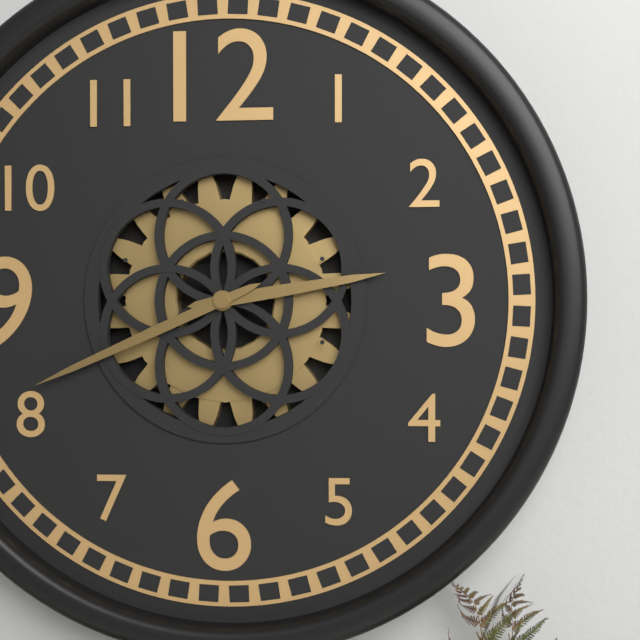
h=2 m=41
